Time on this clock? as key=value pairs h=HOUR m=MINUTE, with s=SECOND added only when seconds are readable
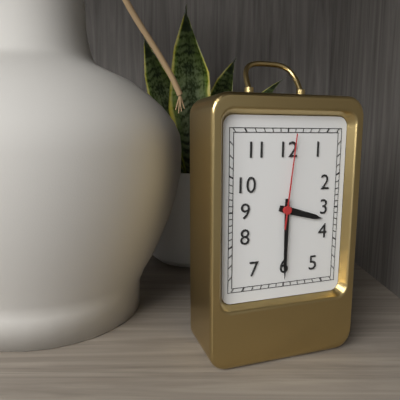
h=3 m=30 s=1
